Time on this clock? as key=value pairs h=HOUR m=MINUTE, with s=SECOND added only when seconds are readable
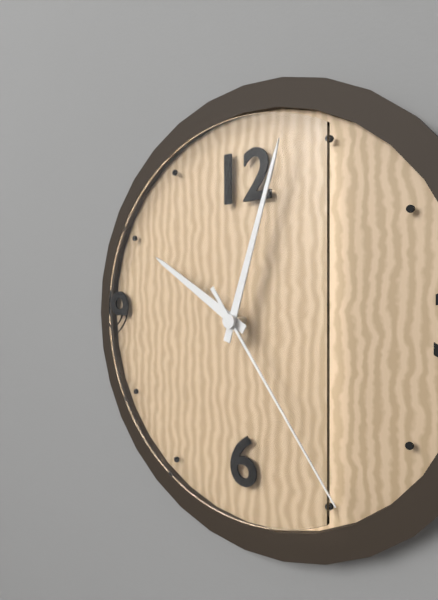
h=10 m=3 s=24
